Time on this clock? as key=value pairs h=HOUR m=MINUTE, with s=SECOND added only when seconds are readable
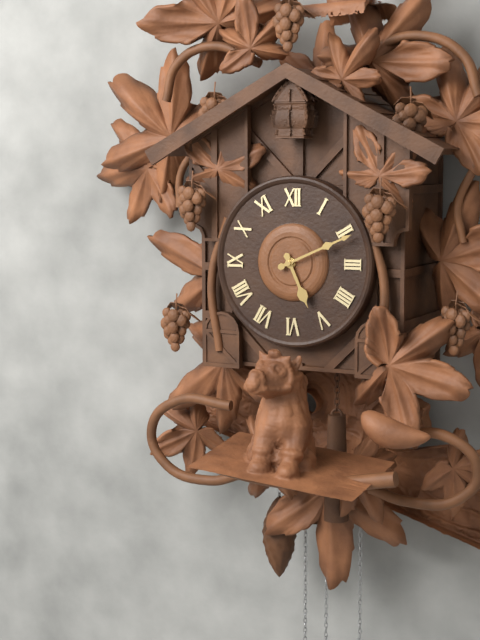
h=5 m=11
